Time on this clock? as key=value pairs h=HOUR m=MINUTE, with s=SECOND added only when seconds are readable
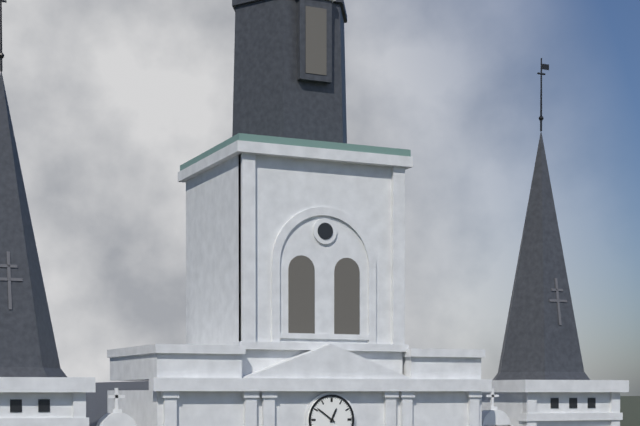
h=12 m=51
